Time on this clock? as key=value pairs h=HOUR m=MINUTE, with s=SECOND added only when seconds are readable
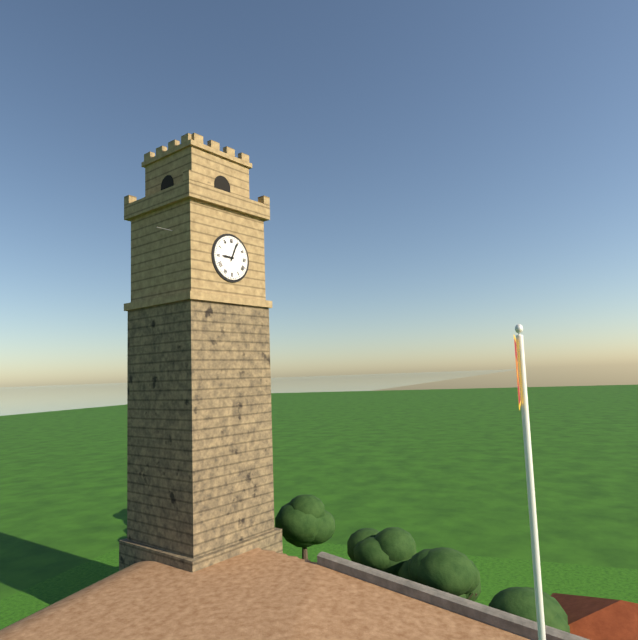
h=9 m=4
